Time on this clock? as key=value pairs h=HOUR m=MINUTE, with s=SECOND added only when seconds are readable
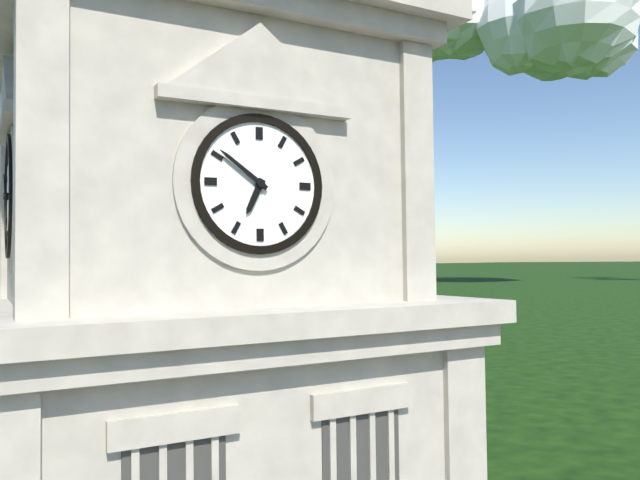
h=6 m=51
